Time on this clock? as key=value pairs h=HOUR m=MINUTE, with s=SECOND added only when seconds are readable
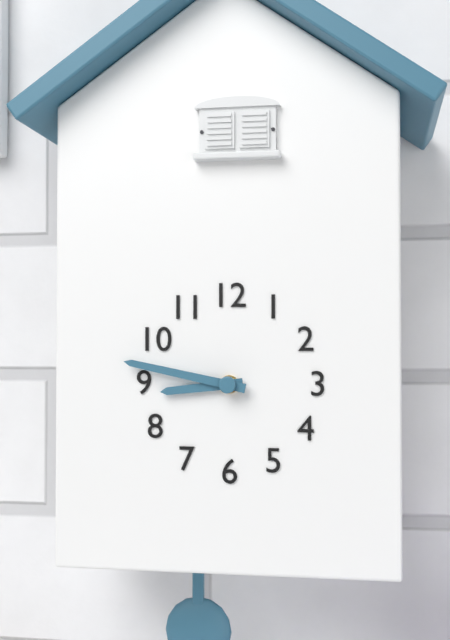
h=8 m=47
